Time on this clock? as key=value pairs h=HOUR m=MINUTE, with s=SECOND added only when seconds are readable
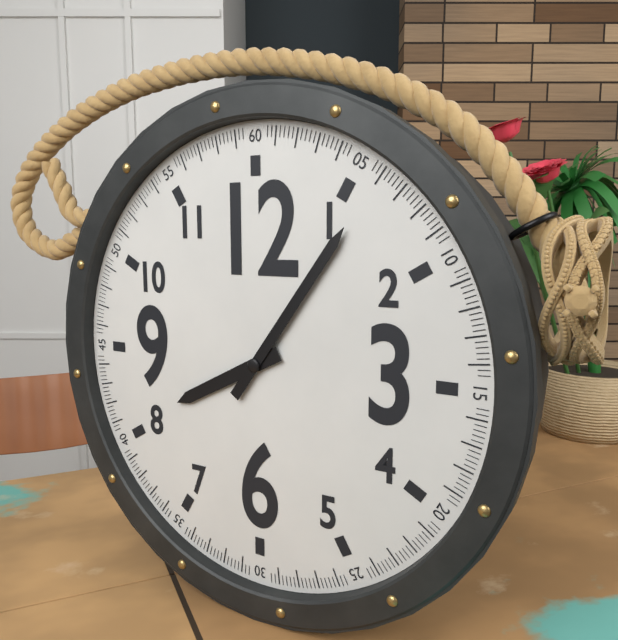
h=8 m=6
